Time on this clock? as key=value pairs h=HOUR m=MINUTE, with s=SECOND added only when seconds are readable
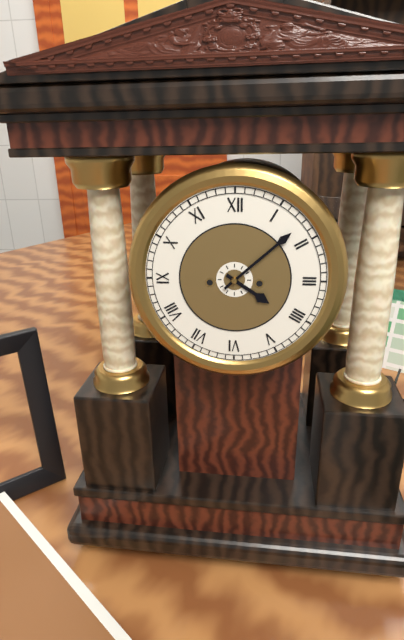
h=4 m=8
